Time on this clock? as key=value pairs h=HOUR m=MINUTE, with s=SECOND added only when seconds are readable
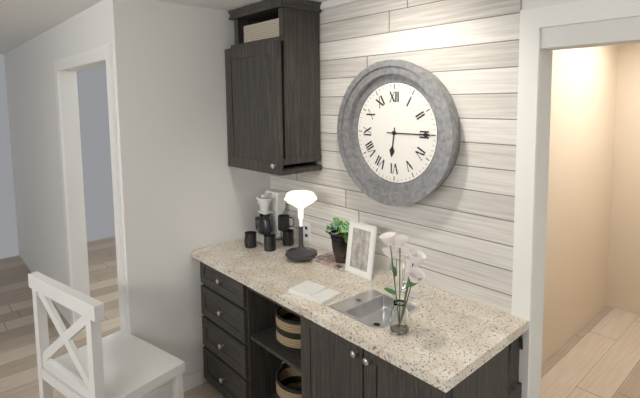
h=6 m=15
